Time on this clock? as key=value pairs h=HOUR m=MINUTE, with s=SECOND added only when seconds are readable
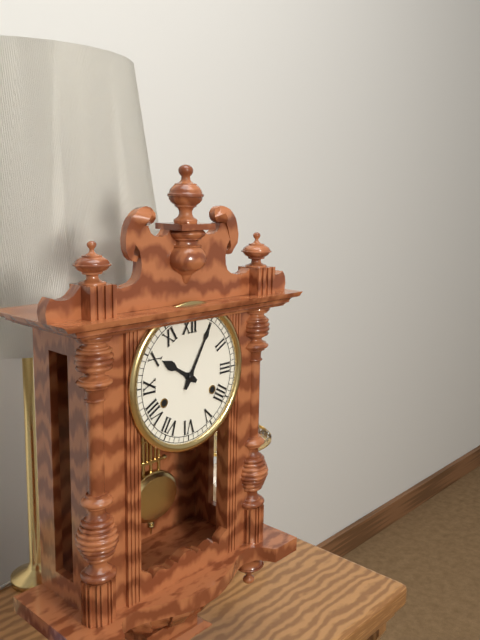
h=10 m=5
